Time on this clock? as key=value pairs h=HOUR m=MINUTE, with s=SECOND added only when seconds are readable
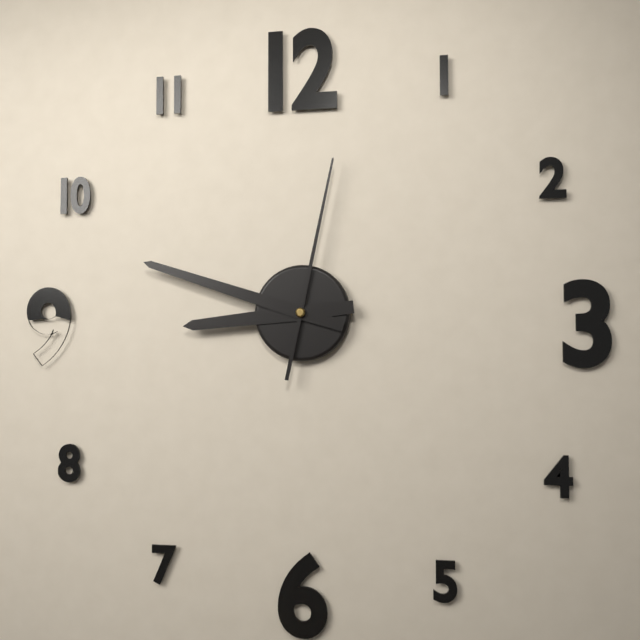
h=8 m=48 s=2
